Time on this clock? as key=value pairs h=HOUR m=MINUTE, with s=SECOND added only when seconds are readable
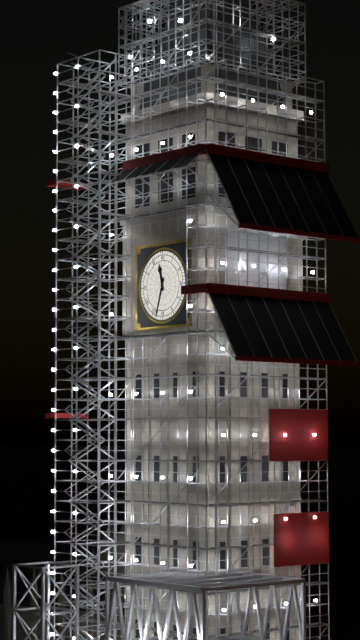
h=11 m=33
